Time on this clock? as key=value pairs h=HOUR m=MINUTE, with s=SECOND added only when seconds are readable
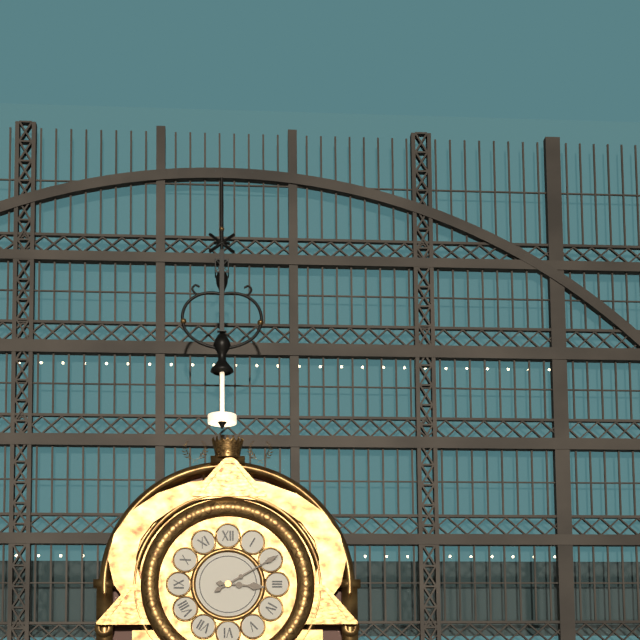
h=3 m=10
